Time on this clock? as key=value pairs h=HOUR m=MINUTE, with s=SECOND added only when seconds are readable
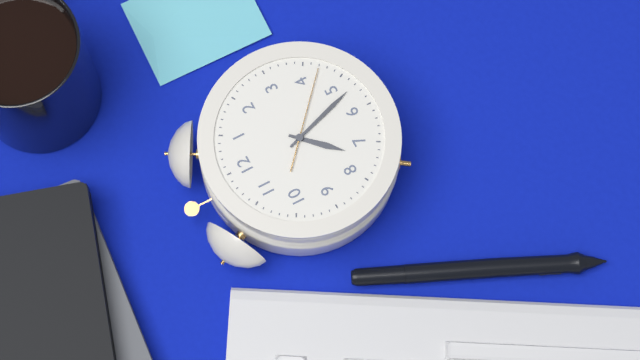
h=7 m=27 s=22
